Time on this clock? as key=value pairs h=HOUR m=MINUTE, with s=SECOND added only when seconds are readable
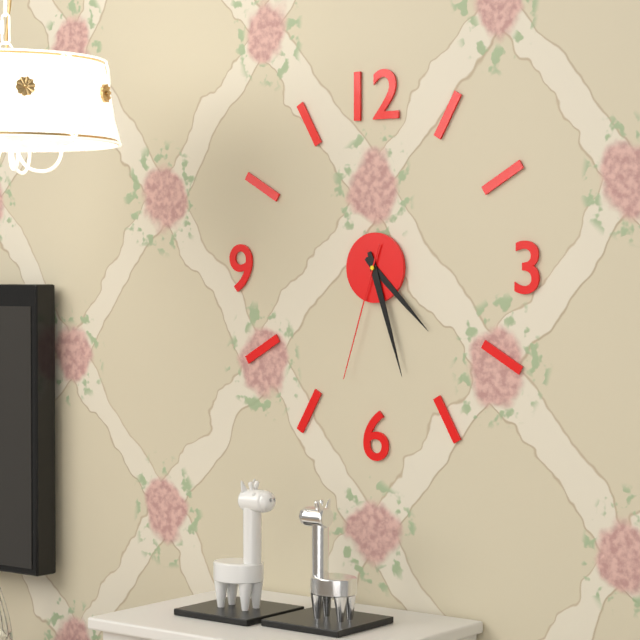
h=4 m=27 s=33
